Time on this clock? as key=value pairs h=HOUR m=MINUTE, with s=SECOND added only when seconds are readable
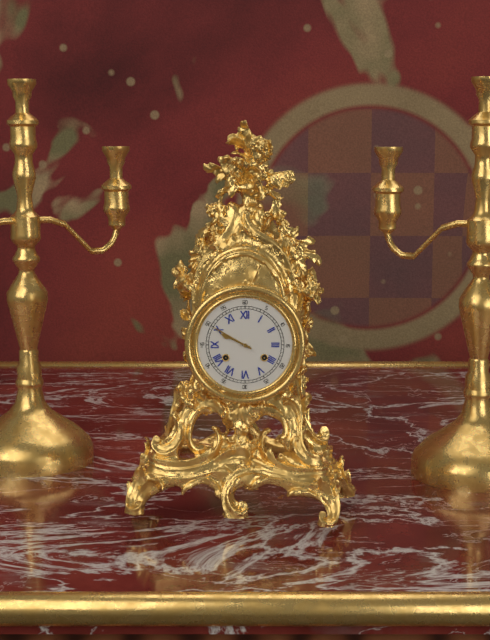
h=9 m=50
